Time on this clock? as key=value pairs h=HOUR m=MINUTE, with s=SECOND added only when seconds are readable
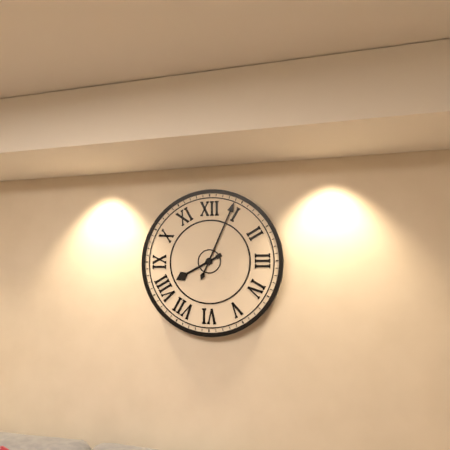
h=8 m=4
